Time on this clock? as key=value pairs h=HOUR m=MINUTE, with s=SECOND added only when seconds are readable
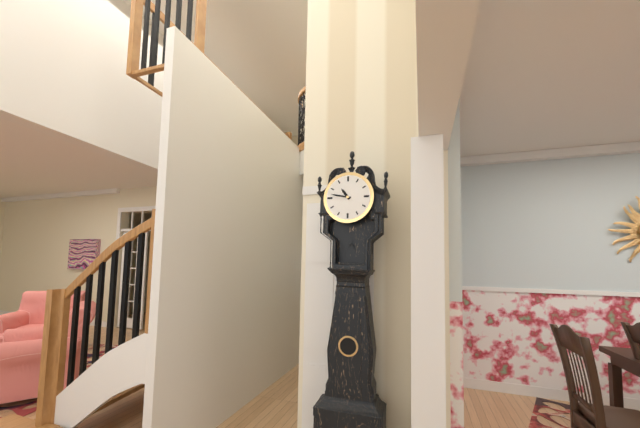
h=10 m=47
